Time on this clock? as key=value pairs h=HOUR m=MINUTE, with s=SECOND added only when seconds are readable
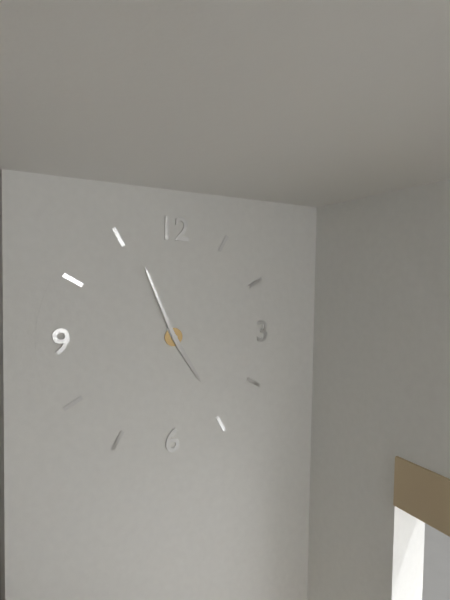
h=4 m=56
